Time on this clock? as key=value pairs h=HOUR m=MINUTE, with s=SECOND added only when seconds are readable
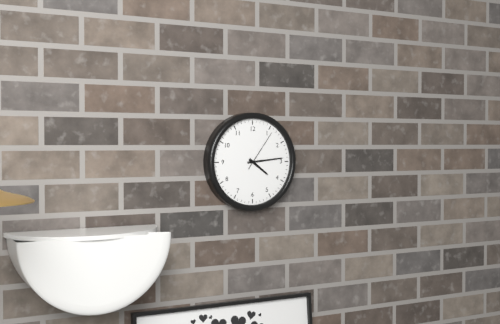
h=4 m=14
